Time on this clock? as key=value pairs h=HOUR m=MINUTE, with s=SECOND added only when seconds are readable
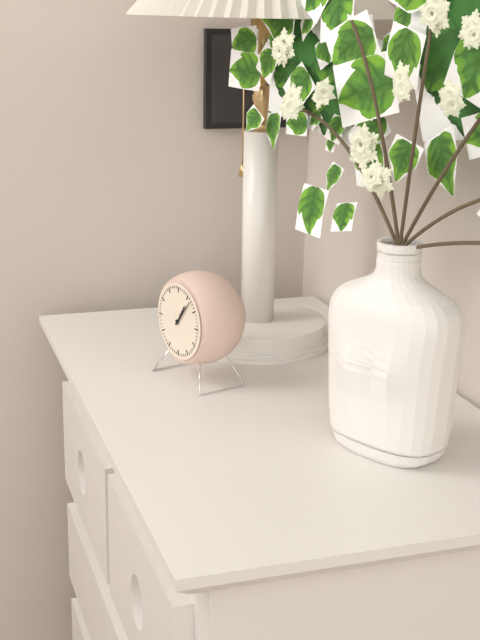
h=1 m=7
